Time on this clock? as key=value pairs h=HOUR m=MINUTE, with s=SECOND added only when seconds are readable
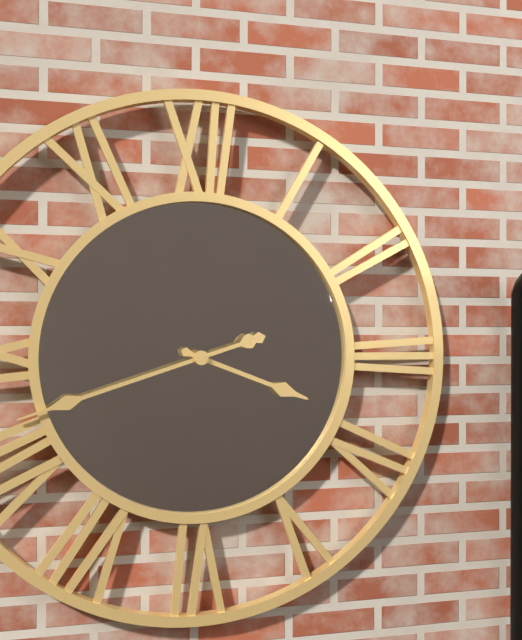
h=3 m=42
